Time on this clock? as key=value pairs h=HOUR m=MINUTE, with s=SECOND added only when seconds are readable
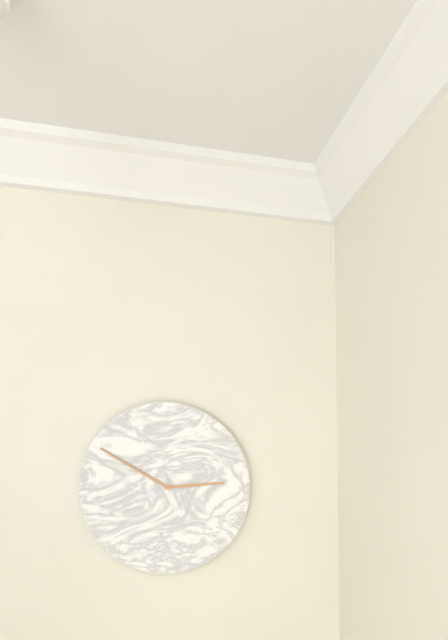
h=2 m=50
